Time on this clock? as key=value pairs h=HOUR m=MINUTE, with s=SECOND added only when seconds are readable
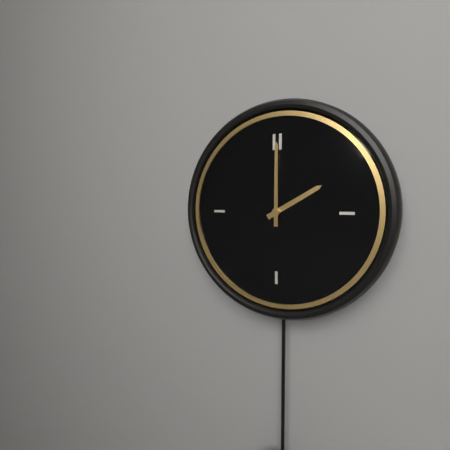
h=2 m=0
